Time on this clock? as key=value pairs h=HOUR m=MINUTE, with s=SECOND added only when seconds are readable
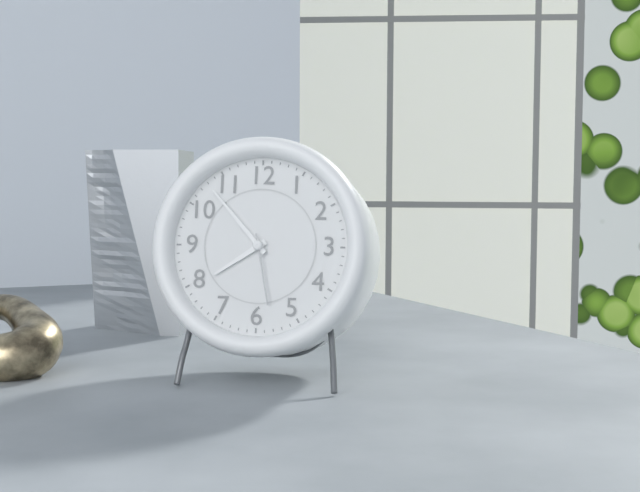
h=7 m=53 s=28
